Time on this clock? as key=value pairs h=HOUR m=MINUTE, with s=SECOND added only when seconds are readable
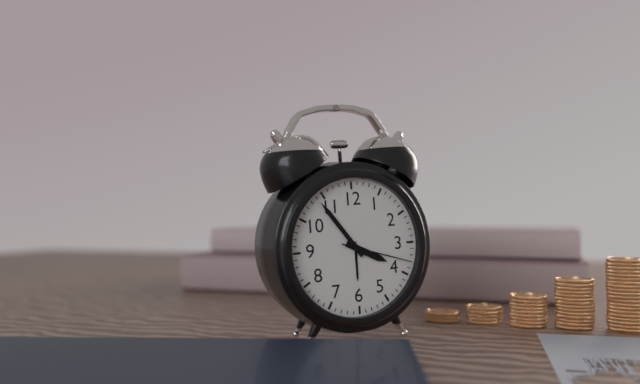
h=3 m=54 s=18
